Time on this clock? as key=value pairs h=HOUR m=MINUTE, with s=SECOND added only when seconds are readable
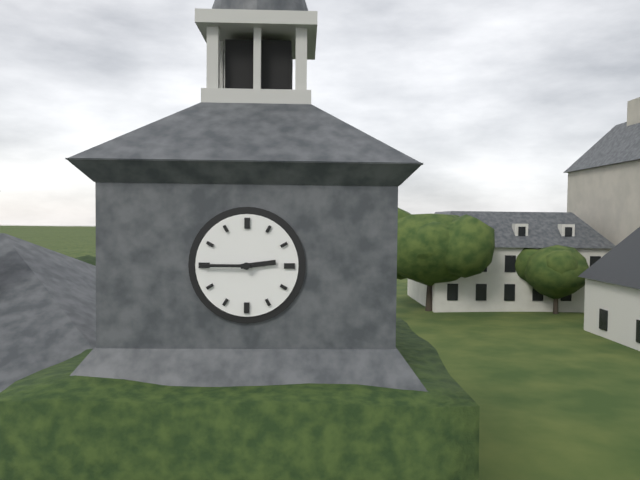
h=2 m=45
